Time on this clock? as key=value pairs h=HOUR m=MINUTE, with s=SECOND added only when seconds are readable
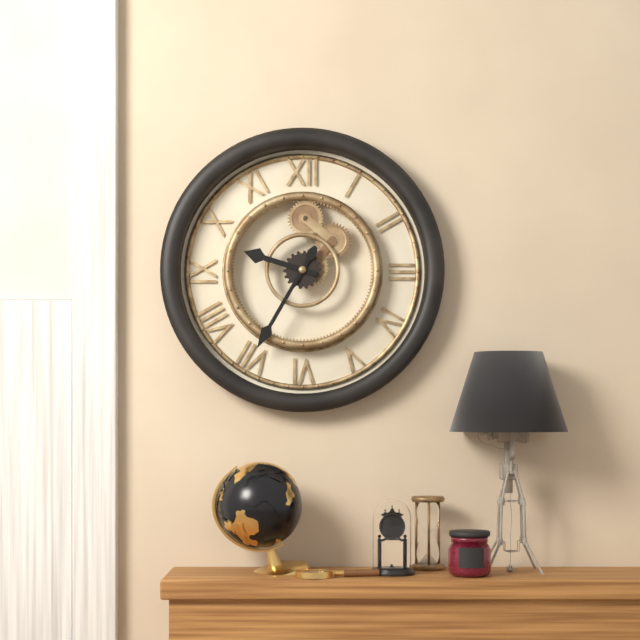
h=9 m=35
